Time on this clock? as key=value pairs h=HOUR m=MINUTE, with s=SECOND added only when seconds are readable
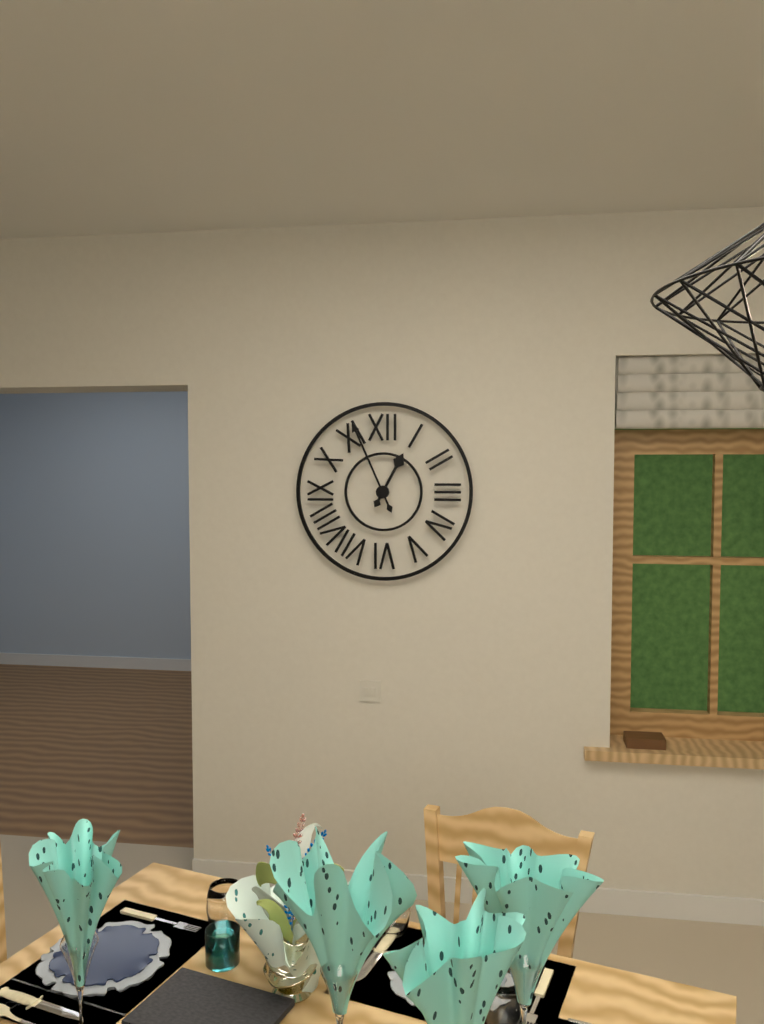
h=12 m=56
